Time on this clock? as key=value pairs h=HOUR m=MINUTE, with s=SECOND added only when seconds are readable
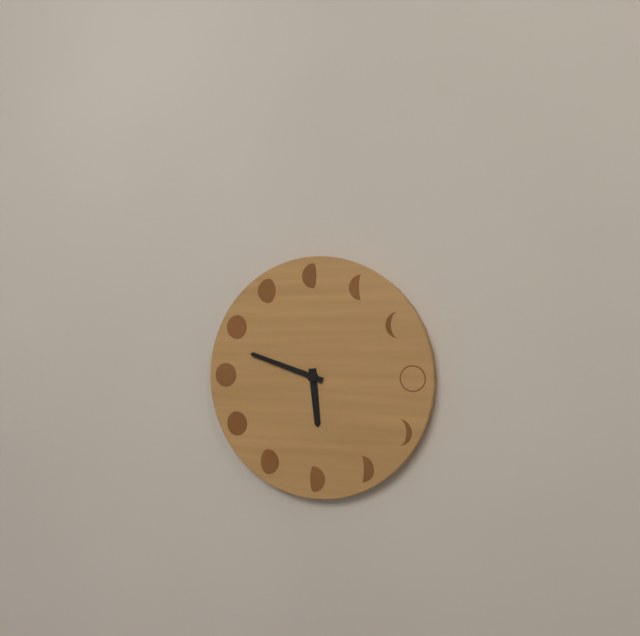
h=5 m=48
